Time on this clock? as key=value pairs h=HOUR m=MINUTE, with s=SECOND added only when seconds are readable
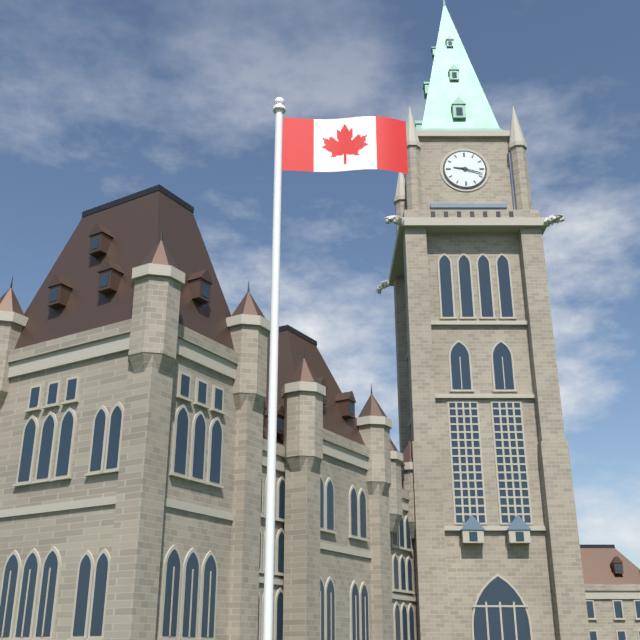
h=9 m=18
